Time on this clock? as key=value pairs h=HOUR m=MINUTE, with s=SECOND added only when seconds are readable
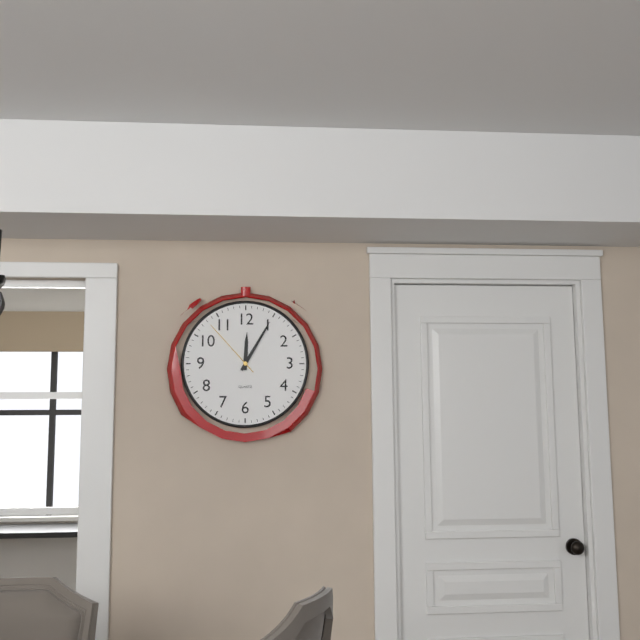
h=12 m=5 s=53
